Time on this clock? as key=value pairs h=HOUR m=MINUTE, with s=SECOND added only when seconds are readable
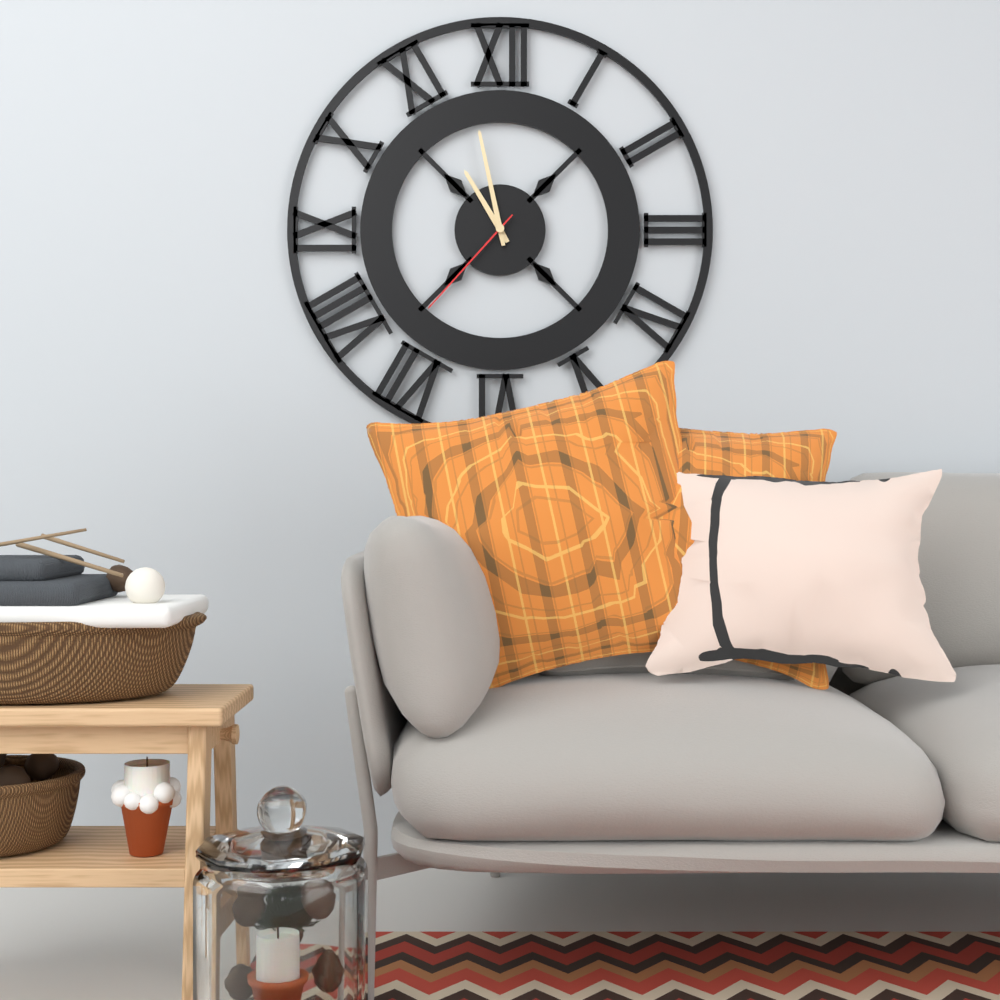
h=10 m=58 s=37
